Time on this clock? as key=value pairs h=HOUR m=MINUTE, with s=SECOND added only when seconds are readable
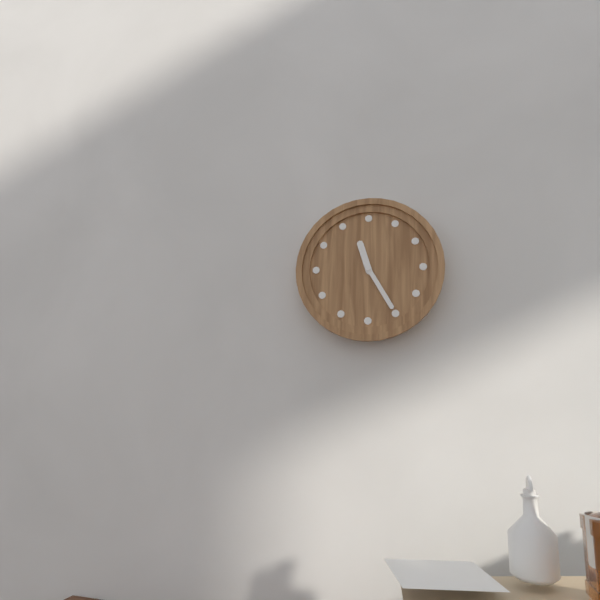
h=11 m=25
